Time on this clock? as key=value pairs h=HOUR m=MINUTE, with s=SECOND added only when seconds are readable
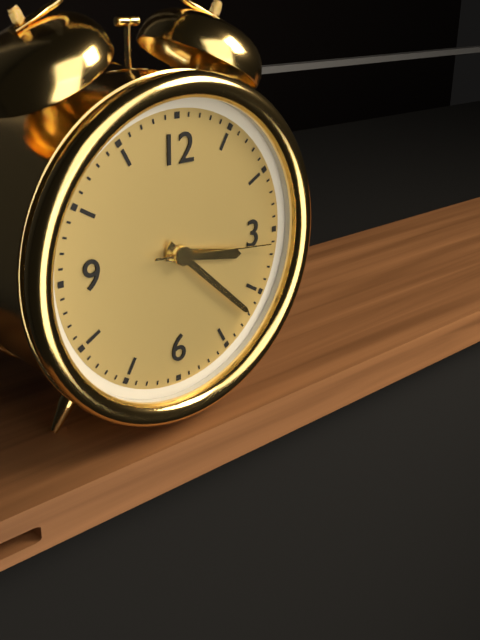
h=3 m=22 s=16
